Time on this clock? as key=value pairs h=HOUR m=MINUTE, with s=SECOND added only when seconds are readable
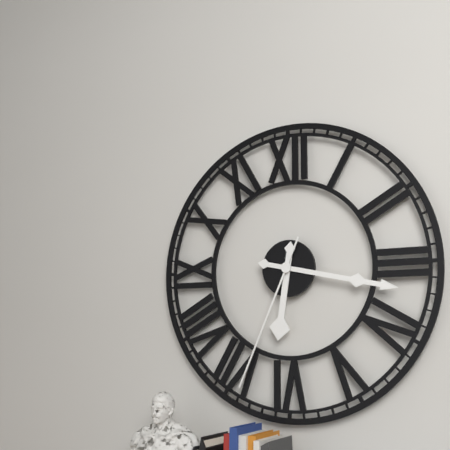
h=6 m=17 s=34
